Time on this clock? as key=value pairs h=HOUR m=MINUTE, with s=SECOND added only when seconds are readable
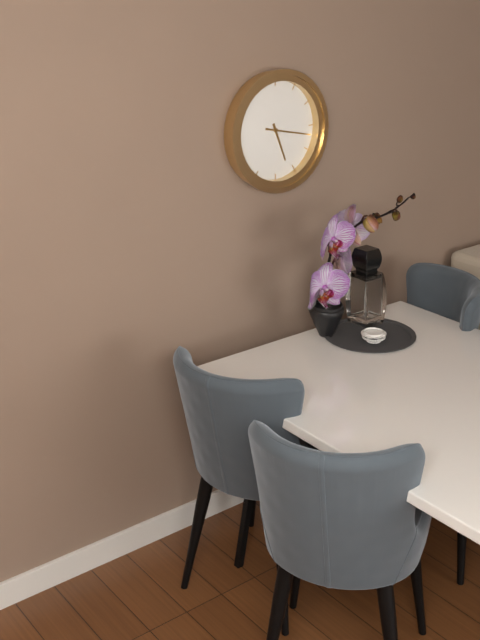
h=5 m=17
